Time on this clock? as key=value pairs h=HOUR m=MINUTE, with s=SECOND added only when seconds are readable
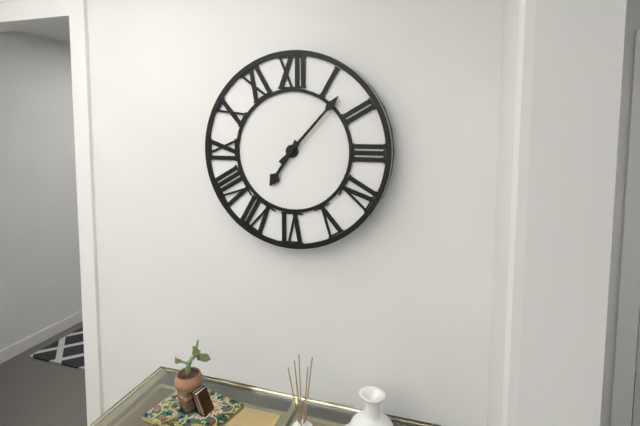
h=7 m=7
